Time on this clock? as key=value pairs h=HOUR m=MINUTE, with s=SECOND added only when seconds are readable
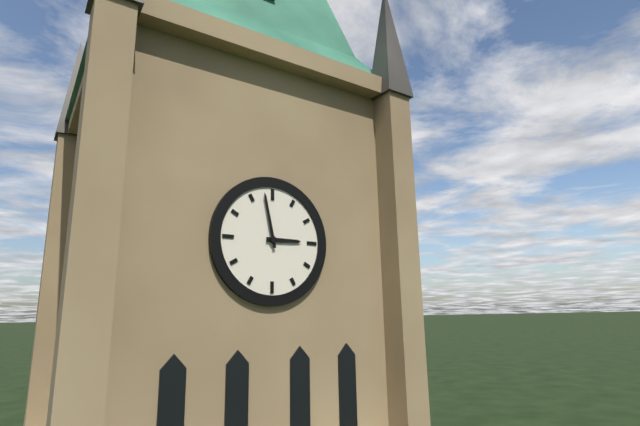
h=2 m=58
